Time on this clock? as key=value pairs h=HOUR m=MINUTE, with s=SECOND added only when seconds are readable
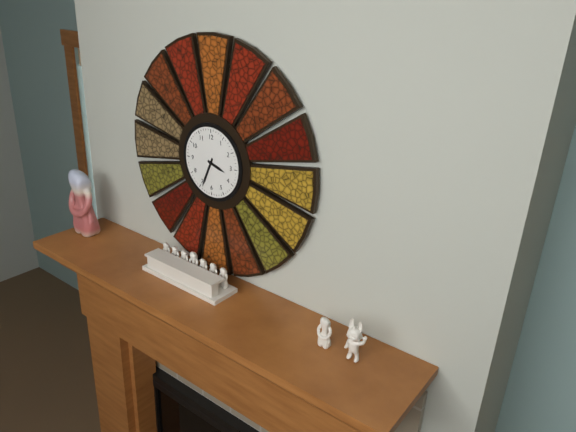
h=3 m=34
